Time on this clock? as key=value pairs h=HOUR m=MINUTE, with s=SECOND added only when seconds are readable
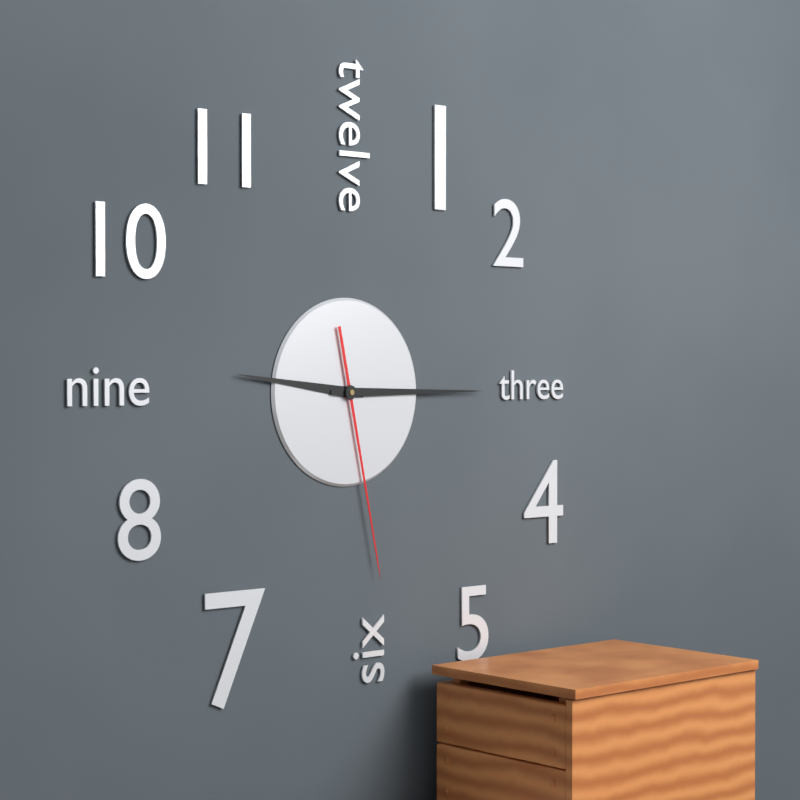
h=9 m=15 s=28
